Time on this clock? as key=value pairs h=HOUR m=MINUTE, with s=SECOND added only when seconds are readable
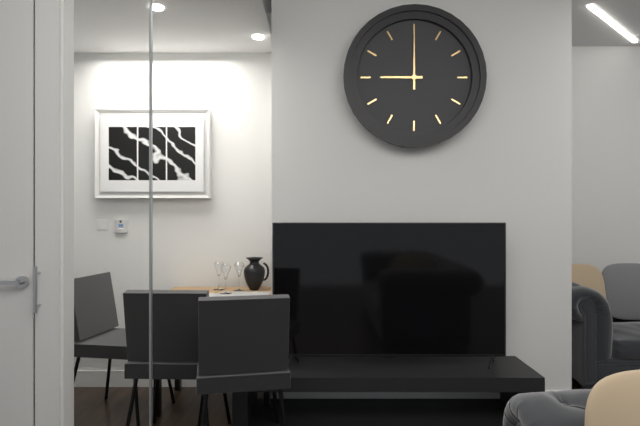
h=9 m=0
